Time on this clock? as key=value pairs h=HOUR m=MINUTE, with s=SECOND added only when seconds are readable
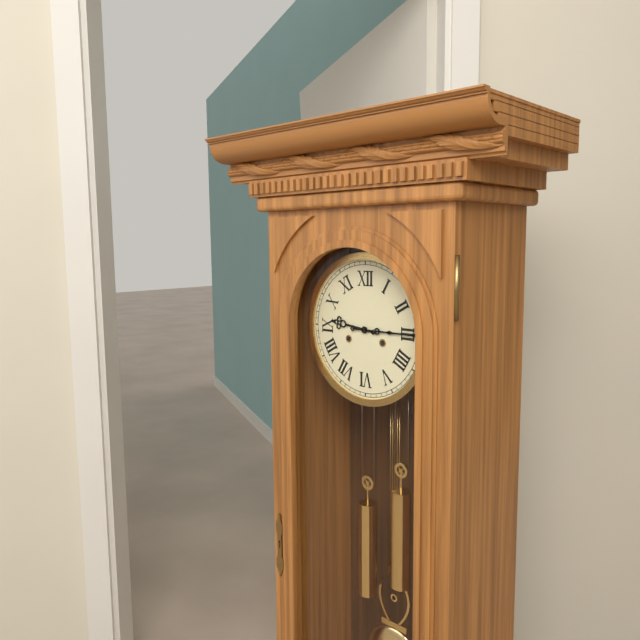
h=9 m=15
